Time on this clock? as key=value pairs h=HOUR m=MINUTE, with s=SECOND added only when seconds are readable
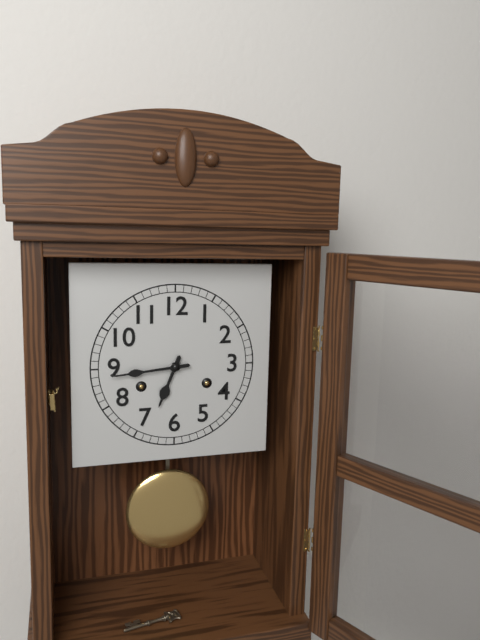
h=6 m=44
